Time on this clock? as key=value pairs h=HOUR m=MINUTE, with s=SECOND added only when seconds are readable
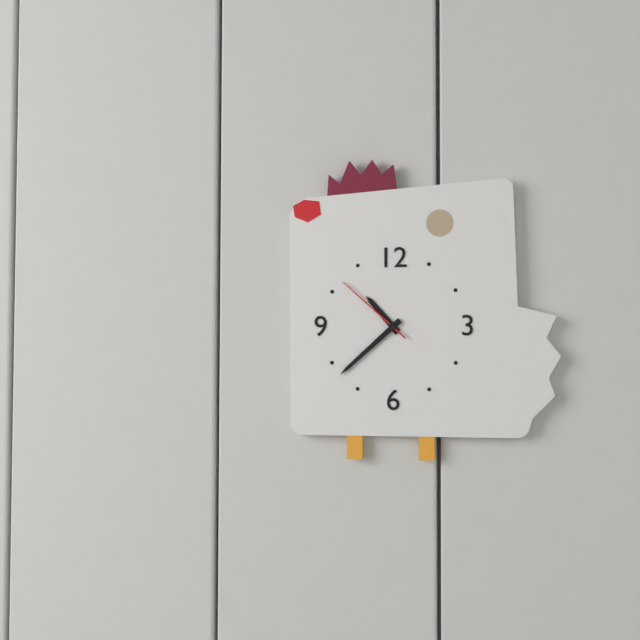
h=10 m=38 s=52
